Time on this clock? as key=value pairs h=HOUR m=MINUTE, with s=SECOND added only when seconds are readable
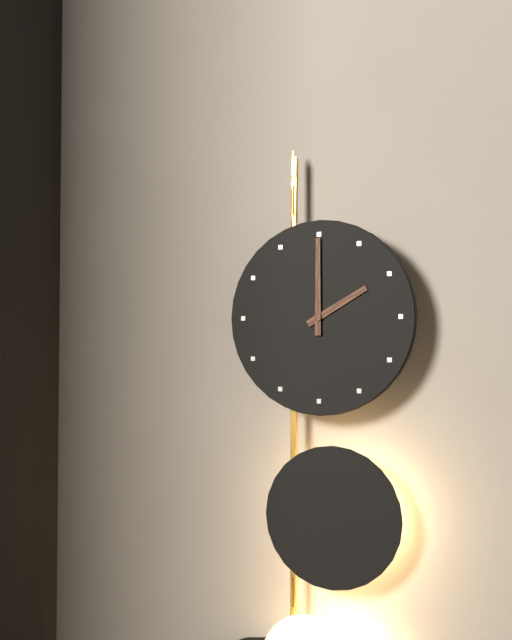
h=2 m=0
